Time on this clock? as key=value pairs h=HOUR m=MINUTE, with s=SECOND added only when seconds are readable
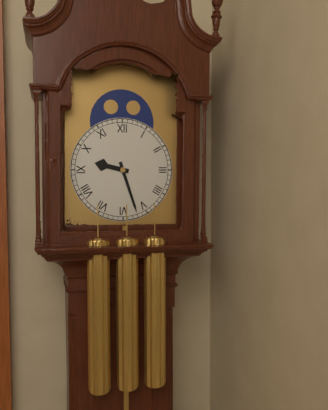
h=9 m=27
